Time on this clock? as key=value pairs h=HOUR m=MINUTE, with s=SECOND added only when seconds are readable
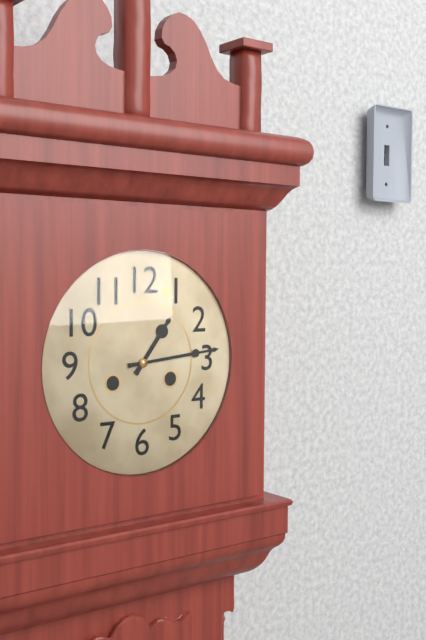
h=1 m=14
